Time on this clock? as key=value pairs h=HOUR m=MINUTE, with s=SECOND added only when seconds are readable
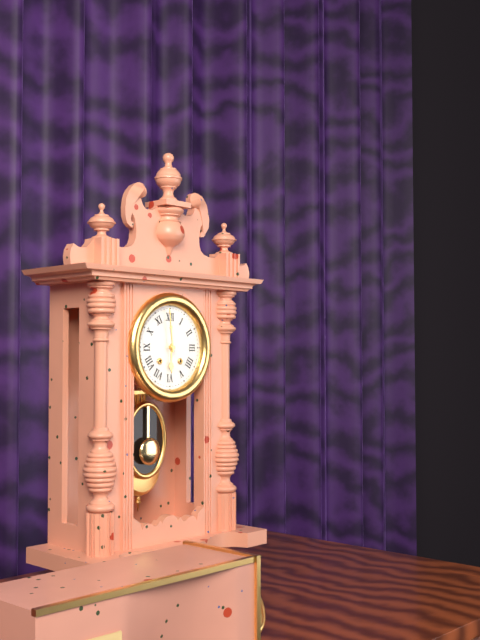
h=5 m=59
